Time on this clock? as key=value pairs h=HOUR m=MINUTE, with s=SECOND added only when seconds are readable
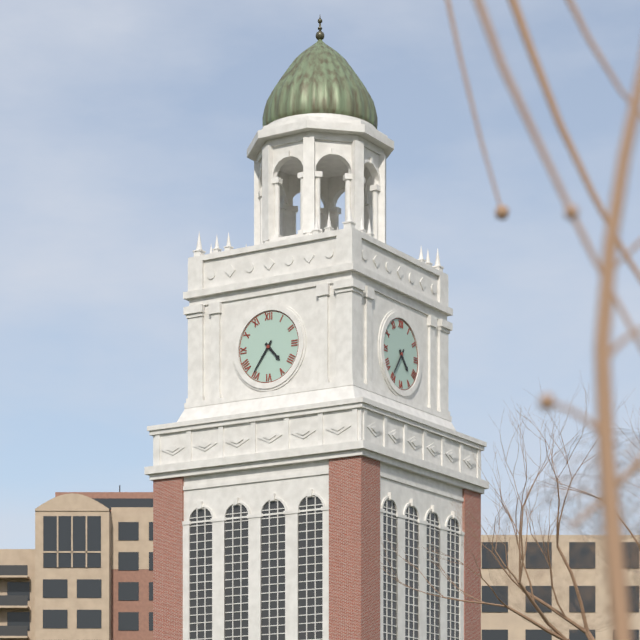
h=4 m=36
